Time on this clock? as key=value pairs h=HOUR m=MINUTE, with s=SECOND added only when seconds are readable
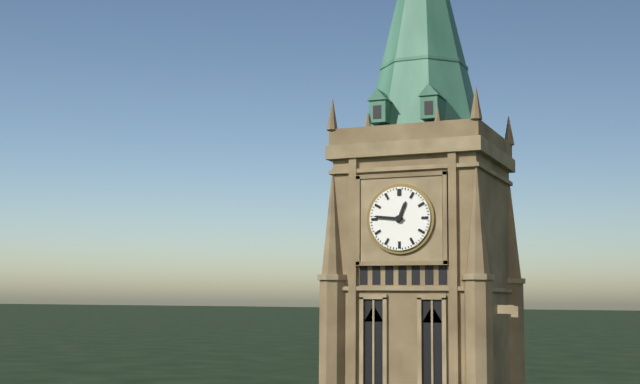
h=12 m=46
